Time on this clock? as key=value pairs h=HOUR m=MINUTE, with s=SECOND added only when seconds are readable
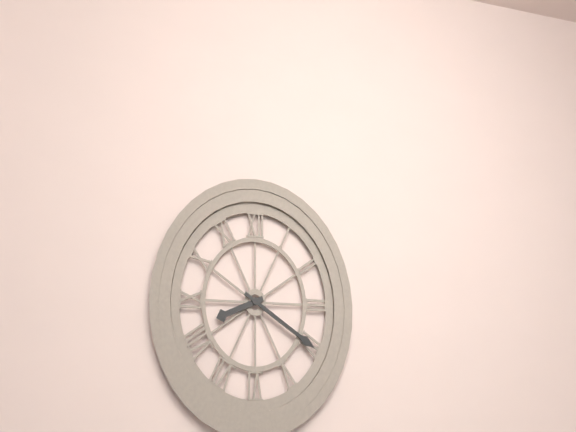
h=8 m=20
